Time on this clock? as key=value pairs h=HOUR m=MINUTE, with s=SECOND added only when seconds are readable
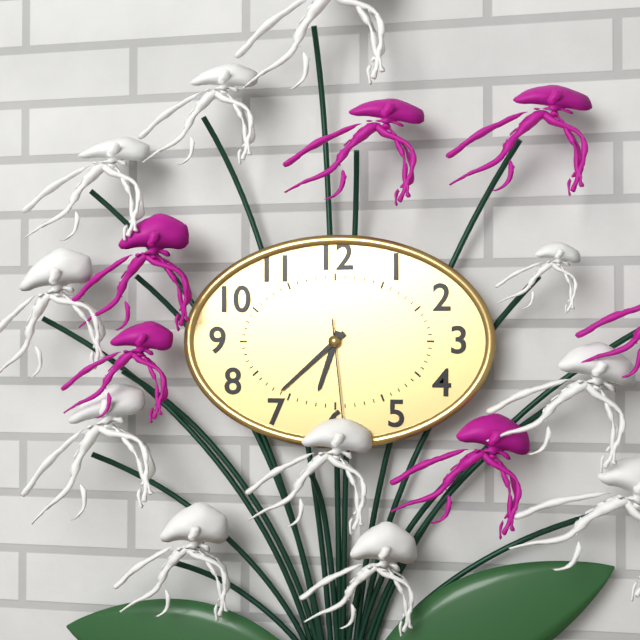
h=6 m=38 s=29
